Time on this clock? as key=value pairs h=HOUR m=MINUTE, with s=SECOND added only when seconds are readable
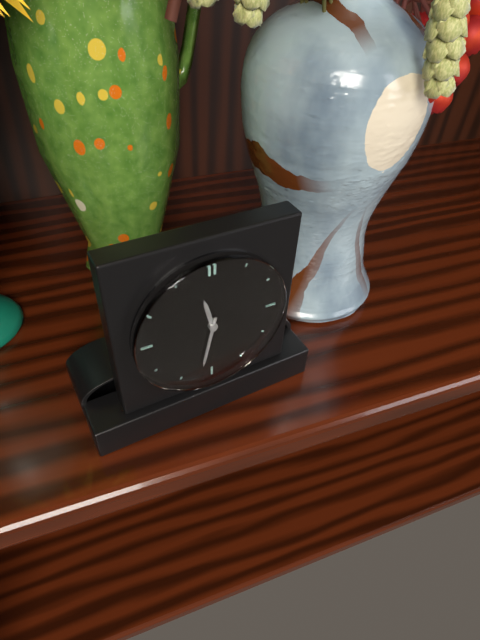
h=11 m=32
